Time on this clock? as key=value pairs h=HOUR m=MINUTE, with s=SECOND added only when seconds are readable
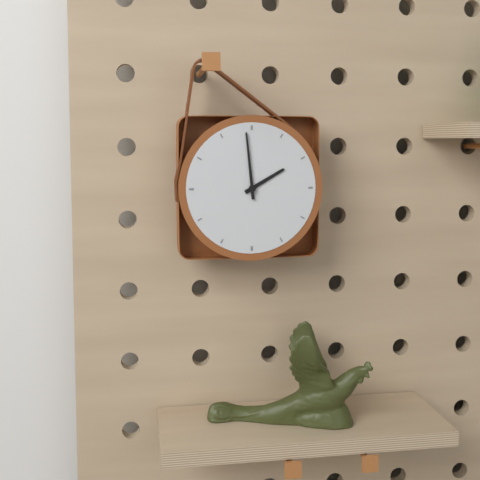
h=1 m=59
